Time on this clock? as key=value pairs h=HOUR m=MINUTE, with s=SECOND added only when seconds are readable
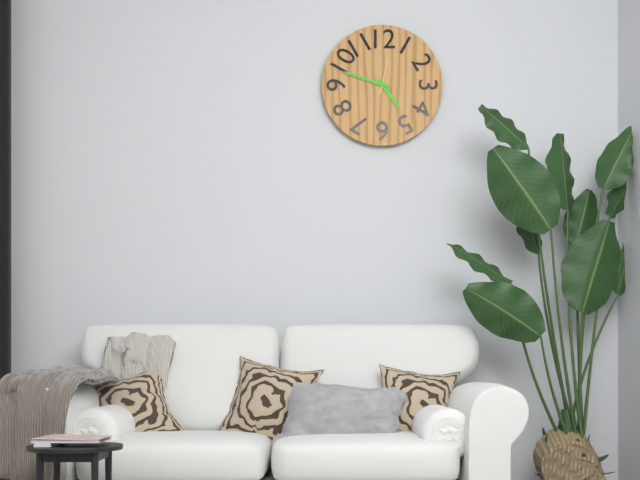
h=4 m=48
